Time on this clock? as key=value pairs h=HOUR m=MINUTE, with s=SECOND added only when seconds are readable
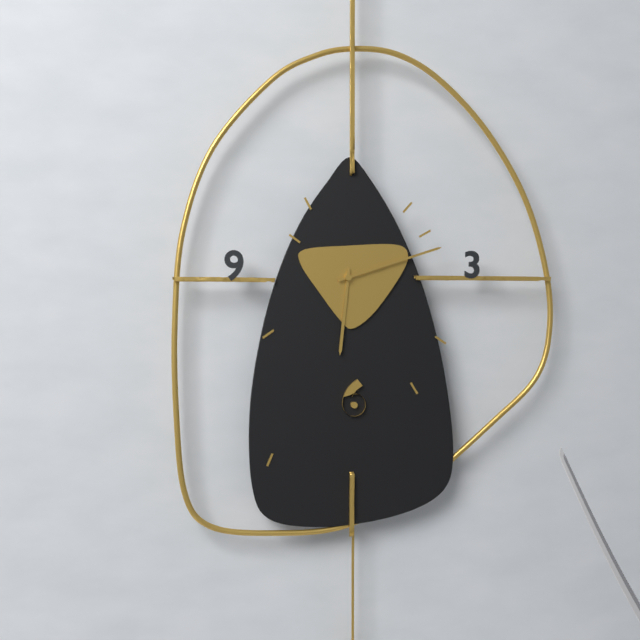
h=6 m=12
